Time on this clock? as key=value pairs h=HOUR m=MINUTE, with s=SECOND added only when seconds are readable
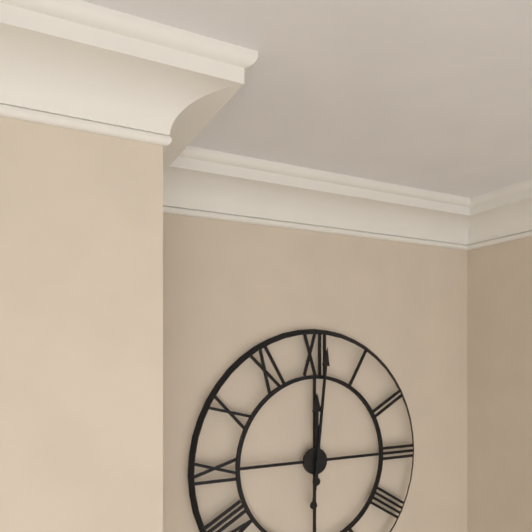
h=12 m=1
